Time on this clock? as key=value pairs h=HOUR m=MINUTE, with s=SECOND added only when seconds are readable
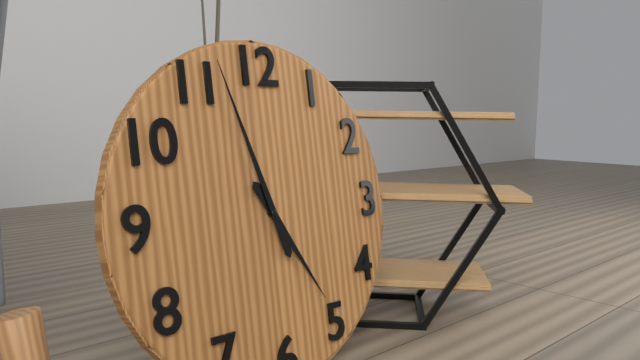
h=4 m=57
